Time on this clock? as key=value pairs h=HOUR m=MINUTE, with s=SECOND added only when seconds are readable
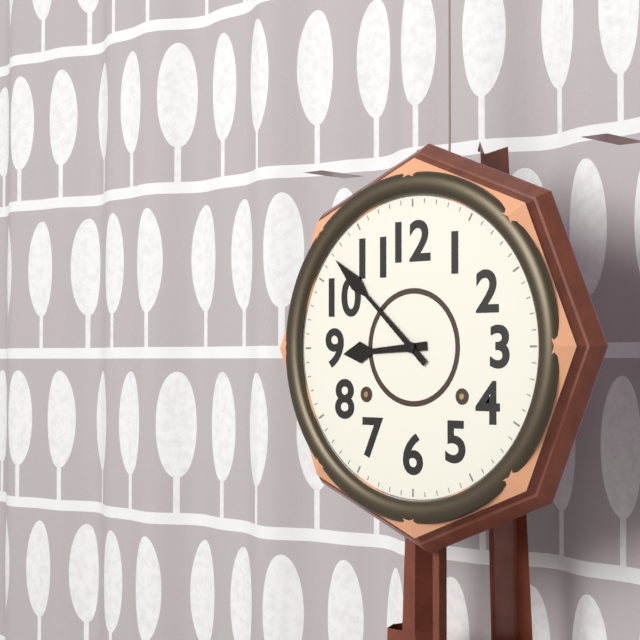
h=8 m=52
